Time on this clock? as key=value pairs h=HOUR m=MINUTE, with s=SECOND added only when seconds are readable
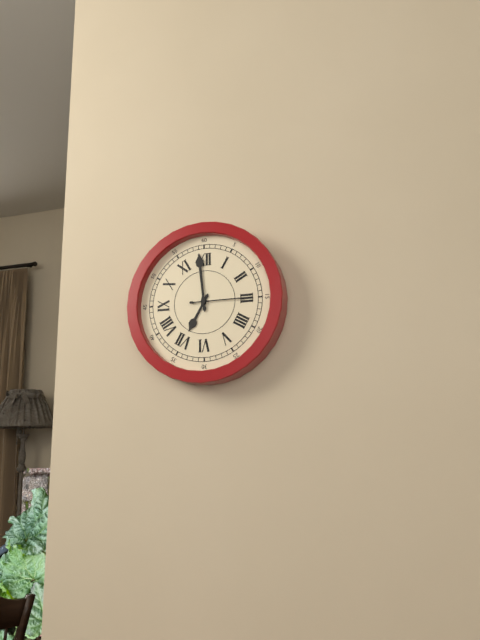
h=6 m=59
